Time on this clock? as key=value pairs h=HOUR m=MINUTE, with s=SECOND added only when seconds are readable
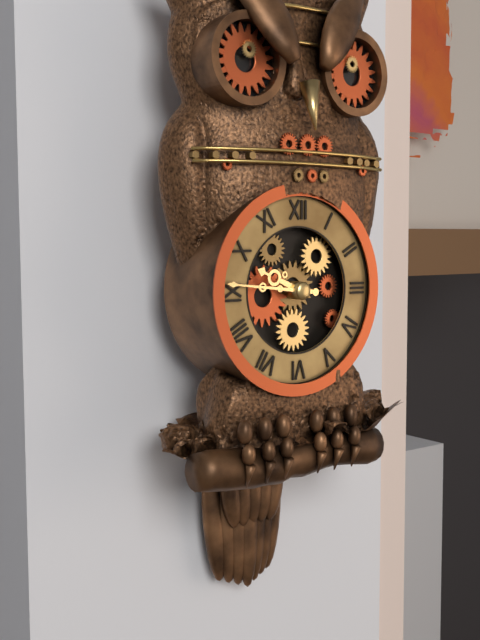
h=9 m=46
